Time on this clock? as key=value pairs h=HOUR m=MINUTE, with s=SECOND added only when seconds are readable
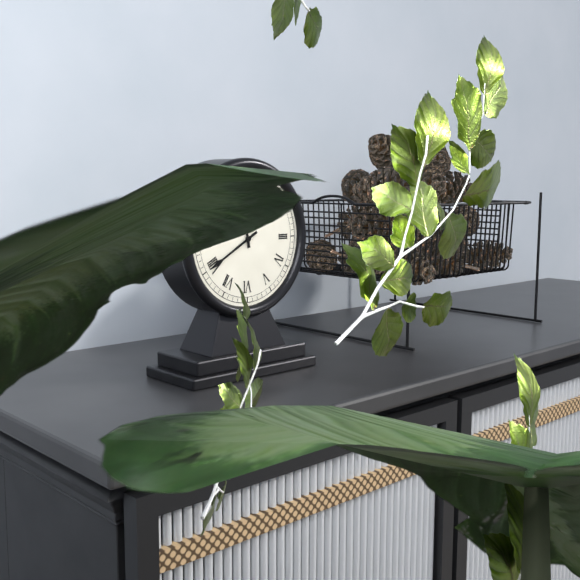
h=11 m=40
